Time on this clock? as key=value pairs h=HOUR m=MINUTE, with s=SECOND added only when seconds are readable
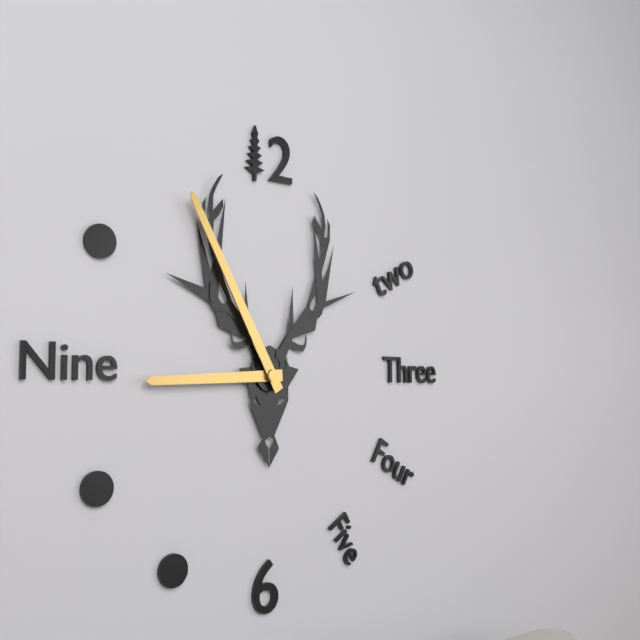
h=8 m=55
